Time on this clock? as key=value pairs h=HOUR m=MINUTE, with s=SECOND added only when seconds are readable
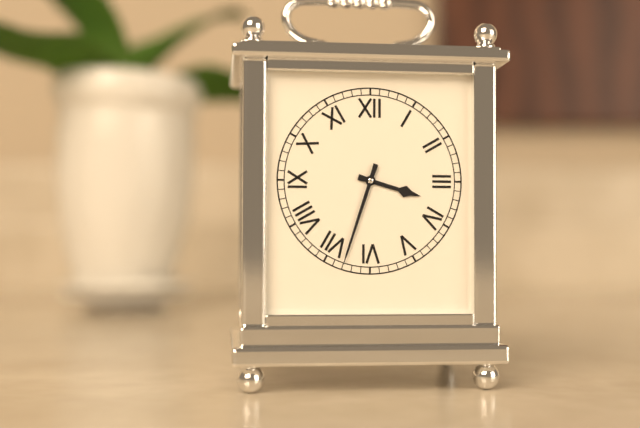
h=3 m=33
